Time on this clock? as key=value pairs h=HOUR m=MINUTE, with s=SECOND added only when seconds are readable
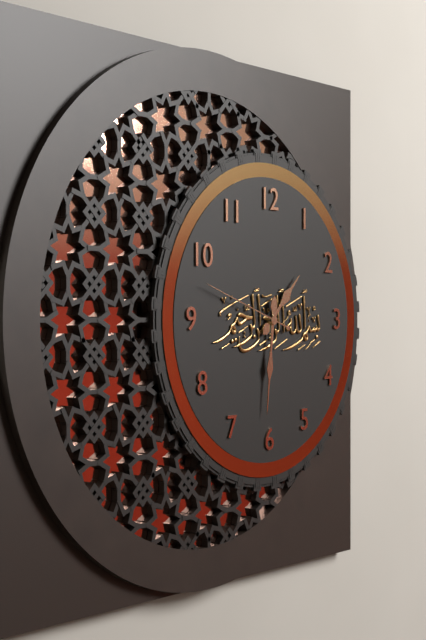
h=1 m=31 s=48
